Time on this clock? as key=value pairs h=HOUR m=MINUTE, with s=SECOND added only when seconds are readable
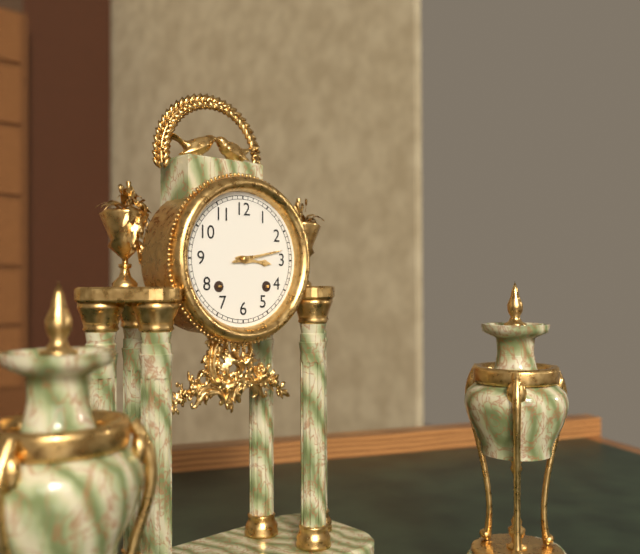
h=3 m=13
